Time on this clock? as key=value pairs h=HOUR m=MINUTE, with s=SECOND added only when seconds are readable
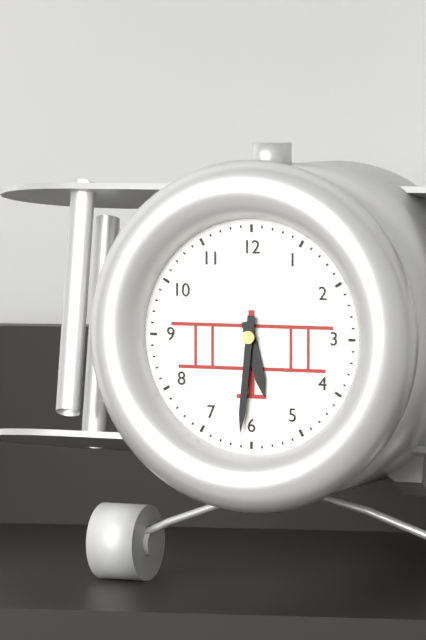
h=5 m=31
